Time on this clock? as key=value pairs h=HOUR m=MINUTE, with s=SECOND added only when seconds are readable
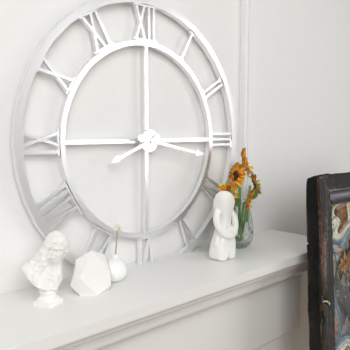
h=8 m=17
